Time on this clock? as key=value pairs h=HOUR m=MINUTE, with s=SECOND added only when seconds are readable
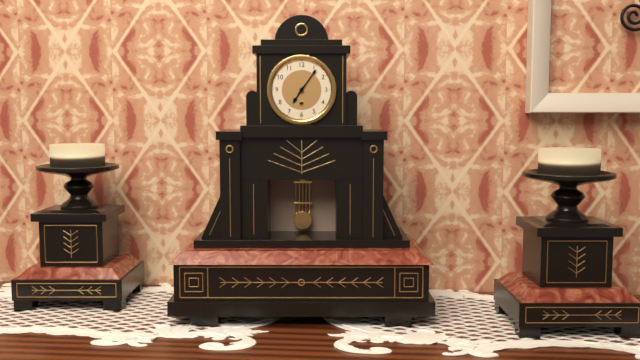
h=7 m=6
